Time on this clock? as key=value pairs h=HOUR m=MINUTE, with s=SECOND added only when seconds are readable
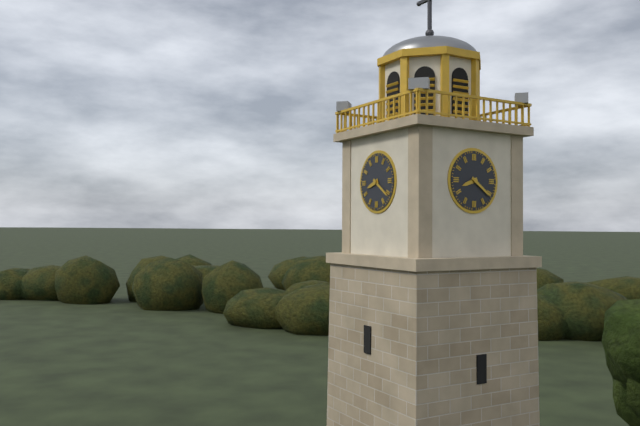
h=8 m=21
